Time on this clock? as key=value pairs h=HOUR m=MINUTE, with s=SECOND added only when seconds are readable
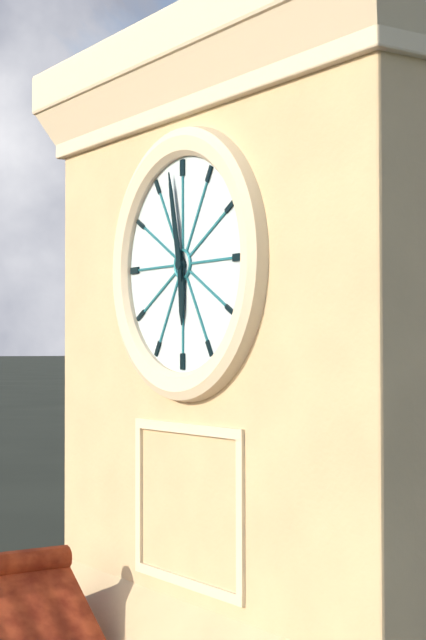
h=5 m=58
